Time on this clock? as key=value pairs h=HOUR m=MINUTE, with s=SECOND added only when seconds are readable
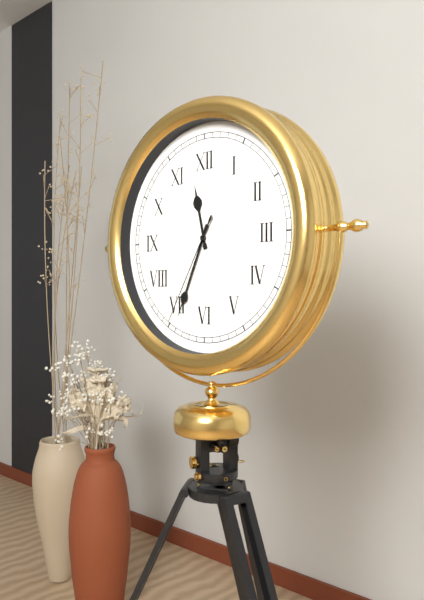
h=11 m=34 s=35
